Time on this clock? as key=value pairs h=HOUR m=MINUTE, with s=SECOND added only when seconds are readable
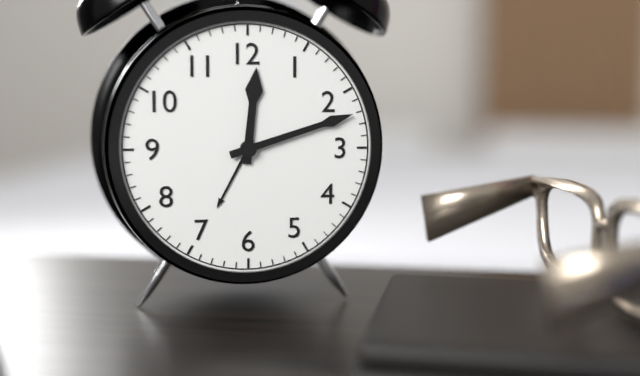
h=12 m=12
